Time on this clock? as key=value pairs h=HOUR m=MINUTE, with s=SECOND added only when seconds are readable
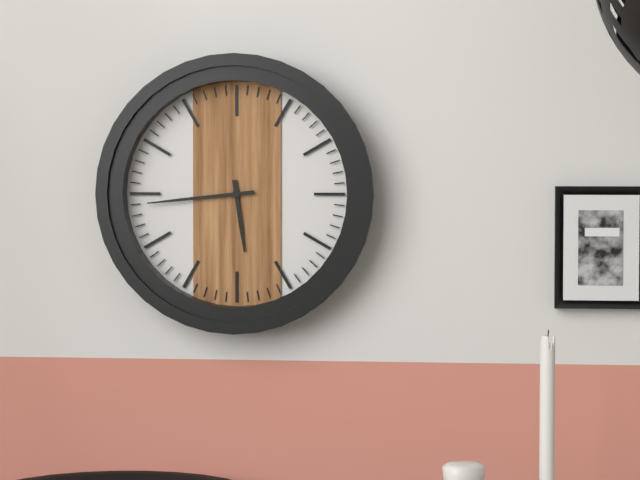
h=5 m=44
